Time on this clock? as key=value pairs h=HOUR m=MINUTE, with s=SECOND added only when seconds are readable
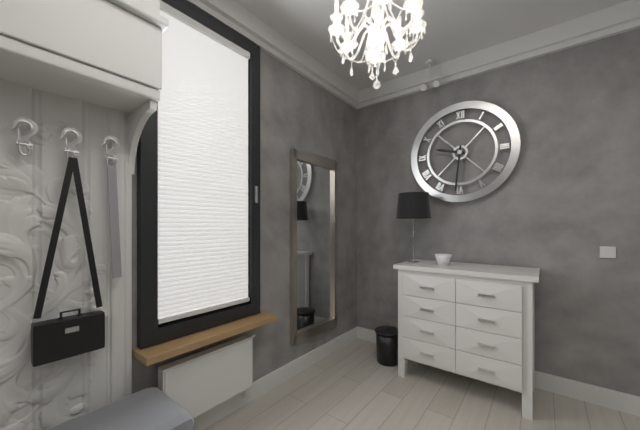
h=9 m=31
